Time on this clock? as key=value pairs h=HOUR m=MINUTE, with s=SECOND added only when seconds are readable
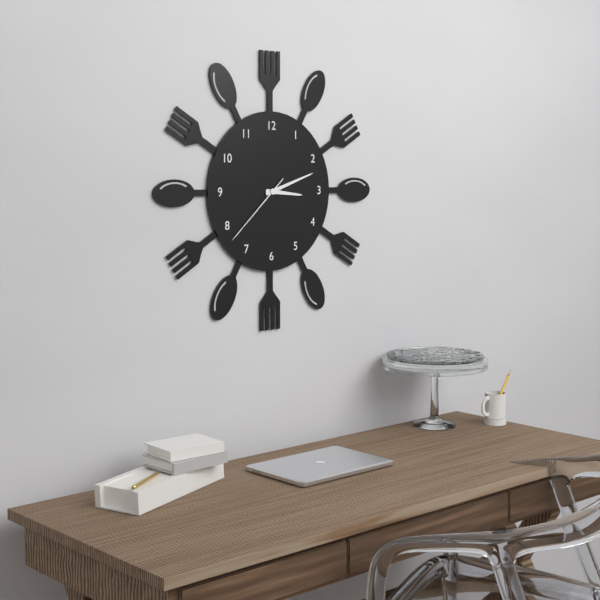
h=3 m=12 s=38
